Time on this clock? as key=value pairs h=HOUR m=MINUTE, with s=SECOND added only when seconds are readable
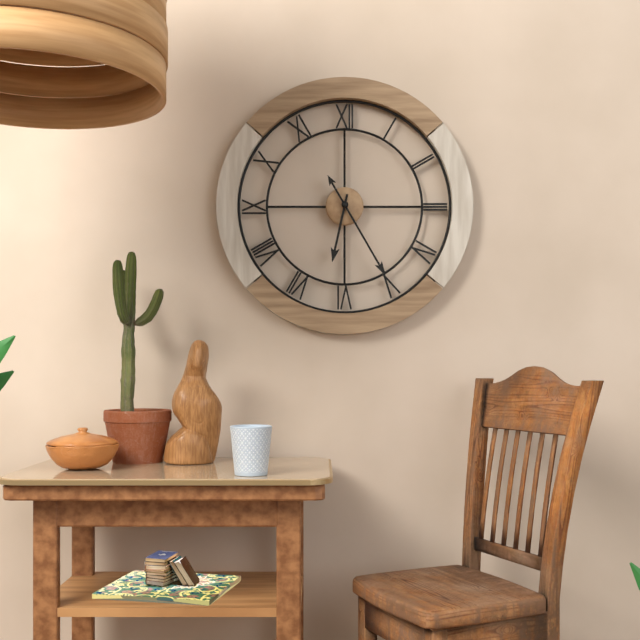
h=6 m=25
